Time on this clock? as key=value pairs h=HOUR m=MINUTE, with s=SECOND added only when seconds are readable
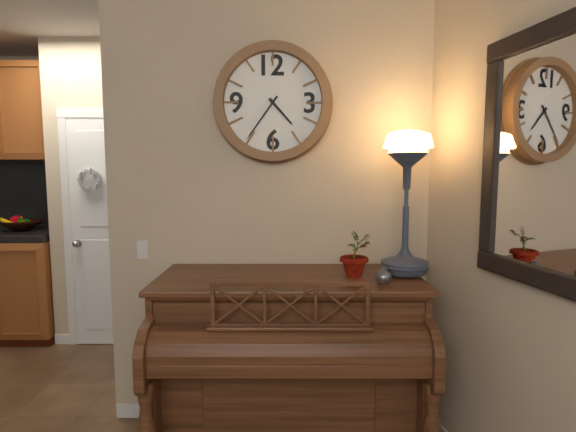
h=4 m=36
